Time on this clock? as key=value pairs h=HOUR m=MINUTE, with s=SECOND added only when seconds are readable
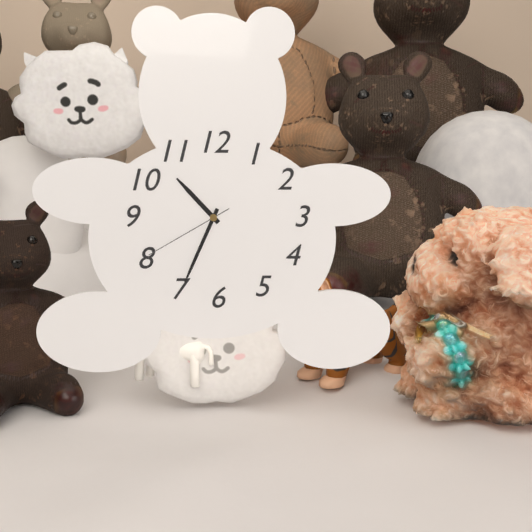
h=10 m=34 s=40
